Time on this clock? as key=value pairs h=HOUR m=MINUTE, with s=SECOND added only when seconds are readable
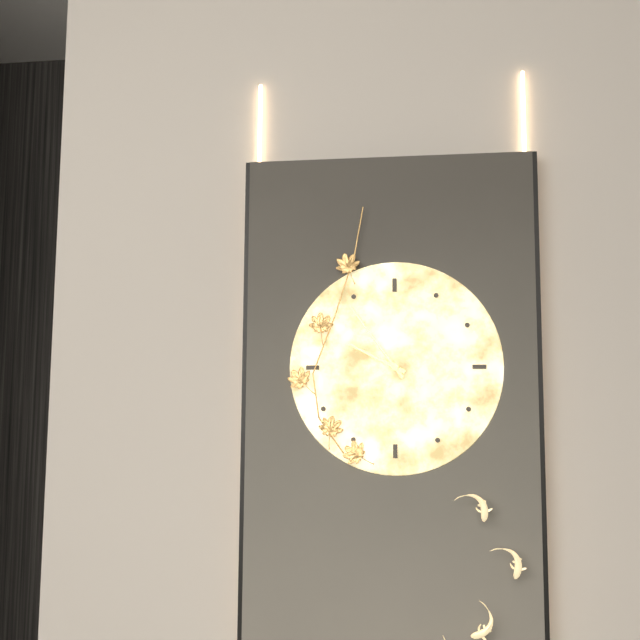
h=9 m=54
